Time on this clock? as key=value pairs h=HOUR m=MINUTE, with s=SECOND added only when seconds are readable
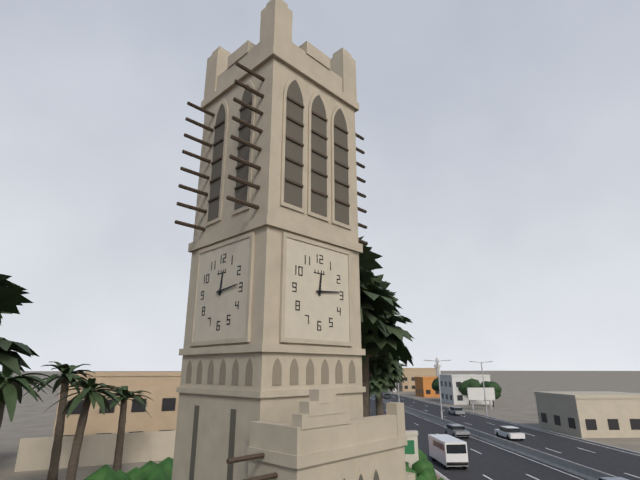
h=12 m=14
